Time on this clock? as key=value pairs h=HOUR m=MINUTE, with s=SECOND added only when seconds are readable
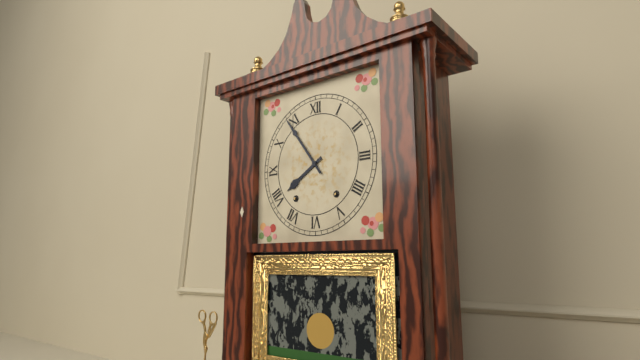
h=7 m=54
